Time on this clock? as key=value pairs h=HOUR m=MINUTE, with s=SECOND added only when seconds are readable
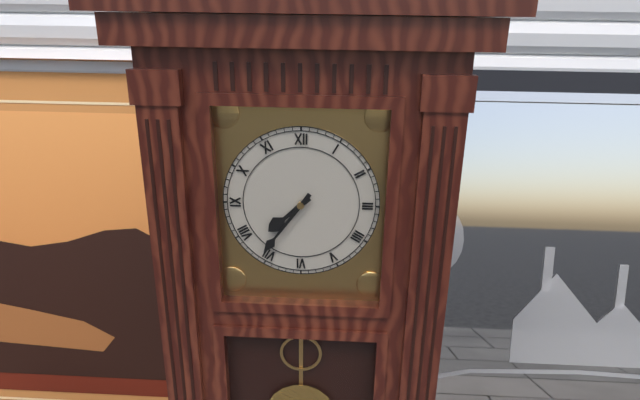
h=7 m=36
